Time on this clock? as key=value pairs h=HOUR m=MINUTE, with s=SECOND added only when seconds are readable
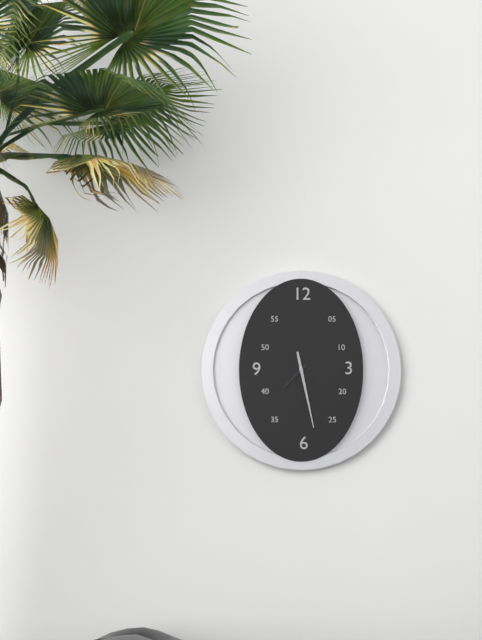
h=7 m=28
